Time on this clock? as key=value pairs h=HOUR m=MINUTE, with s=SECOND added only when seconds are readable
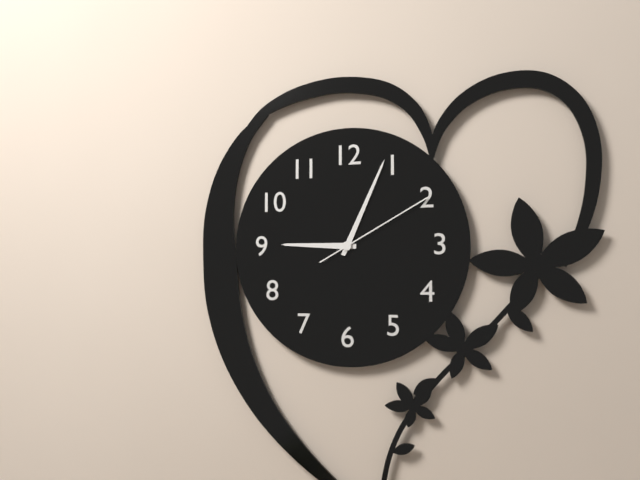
h=9 m=4 s=10
